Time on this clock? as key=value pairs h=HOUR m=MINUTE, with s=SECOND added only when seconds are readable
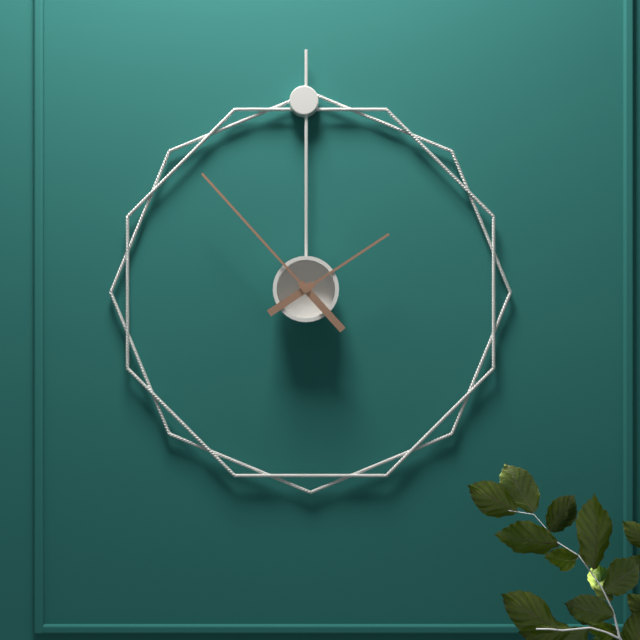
h=1 m=53
